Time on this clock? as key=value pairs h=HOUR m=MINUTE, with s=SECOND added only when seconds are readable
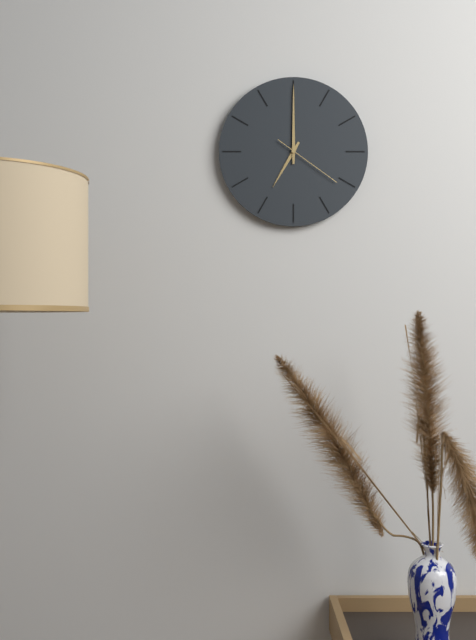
h=7 m=0 s=21
